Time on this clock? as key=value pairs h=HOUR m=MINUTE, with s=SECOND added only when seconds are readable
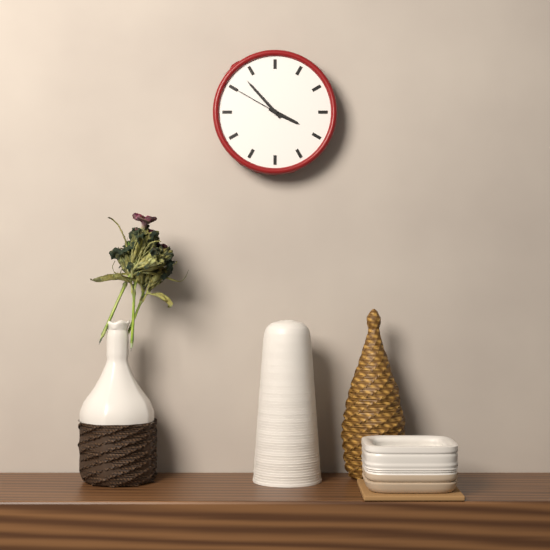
h=3 m=53 s=50
